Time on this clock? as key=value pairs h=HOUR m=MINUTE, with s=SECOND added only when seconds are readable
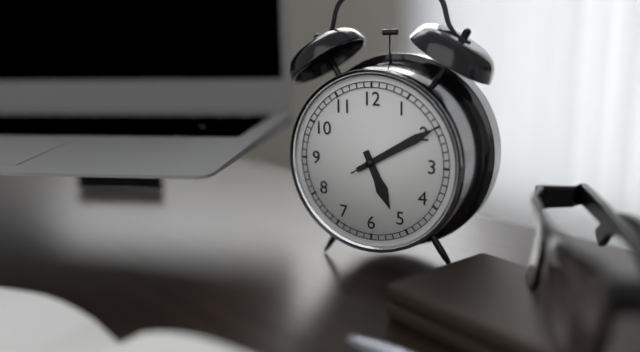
h=5 m=10 s=10
